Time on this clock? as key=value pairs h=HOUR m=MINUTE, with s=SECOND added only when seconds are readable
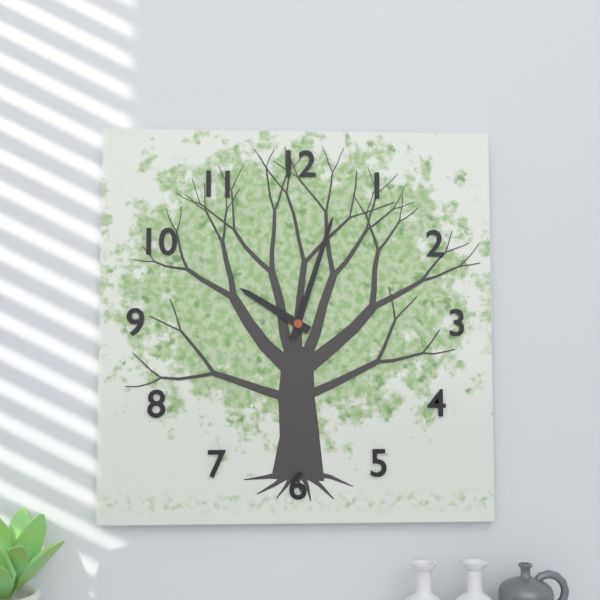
h=10 m=3
